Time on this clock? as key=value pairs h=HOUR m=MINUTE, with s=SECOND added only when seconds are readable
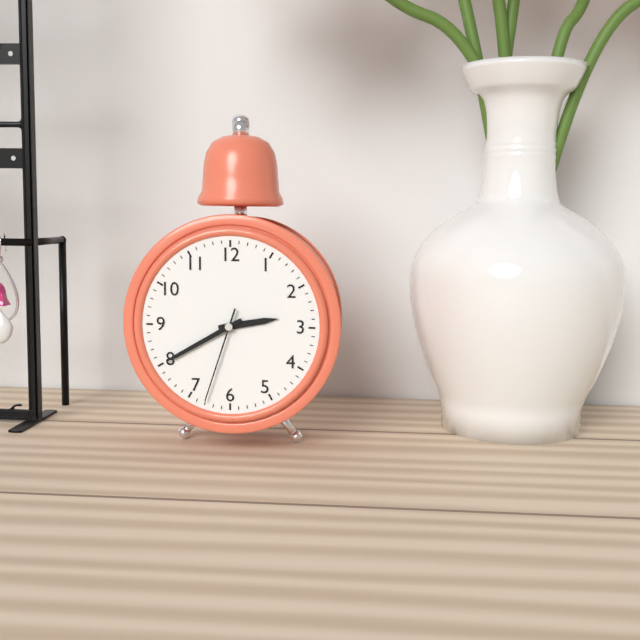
h=2 m=40 s=33
